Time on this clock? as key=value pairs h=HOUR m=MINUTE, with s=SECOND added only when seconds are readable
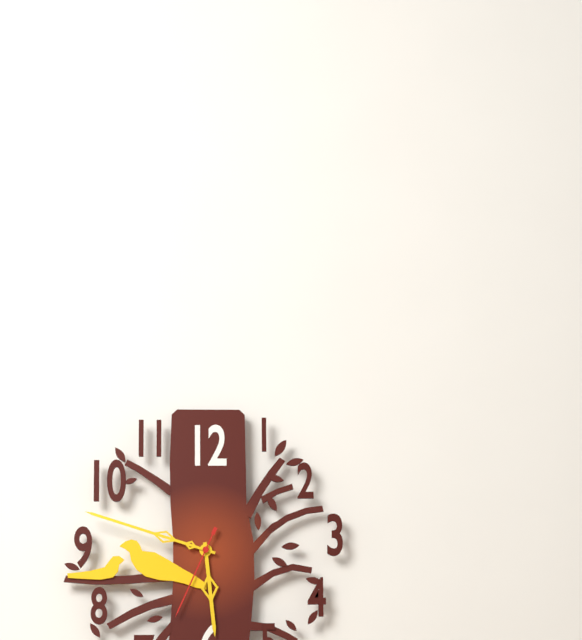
h=5 m=48 s=34
